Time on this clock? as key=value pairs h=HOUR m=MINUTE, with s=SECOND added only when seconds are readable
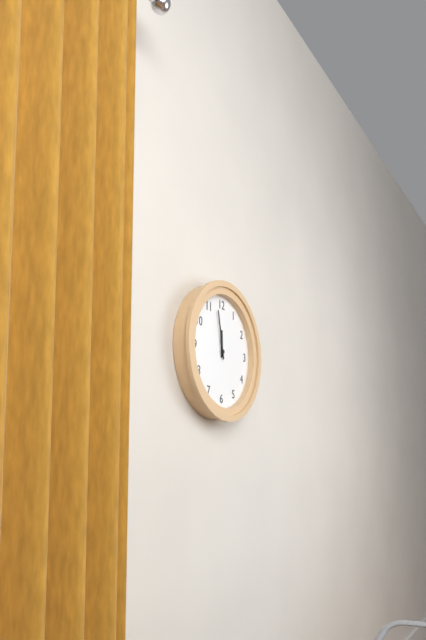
h=11 m=58
